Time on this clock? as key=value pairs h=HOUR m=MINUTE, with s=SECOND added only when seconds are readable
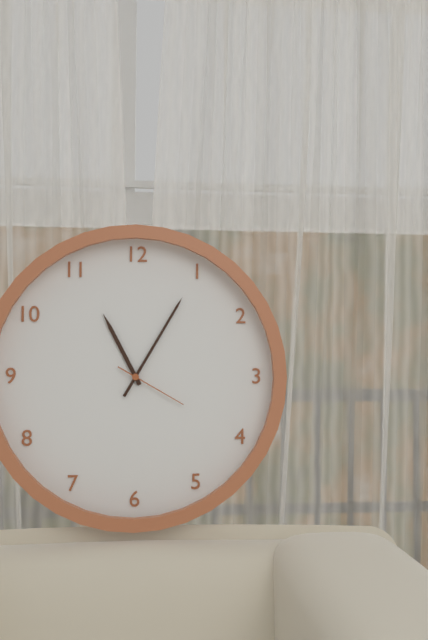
h=11 m=5 s=20
